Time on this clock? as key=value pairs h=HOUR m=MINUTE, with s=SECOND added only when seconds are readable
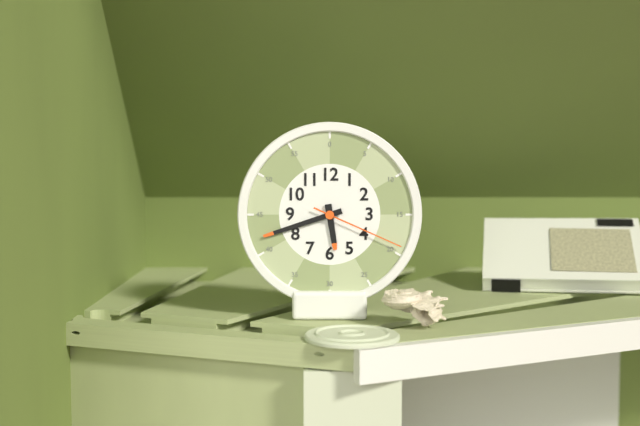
h=5 m=42 s=19
